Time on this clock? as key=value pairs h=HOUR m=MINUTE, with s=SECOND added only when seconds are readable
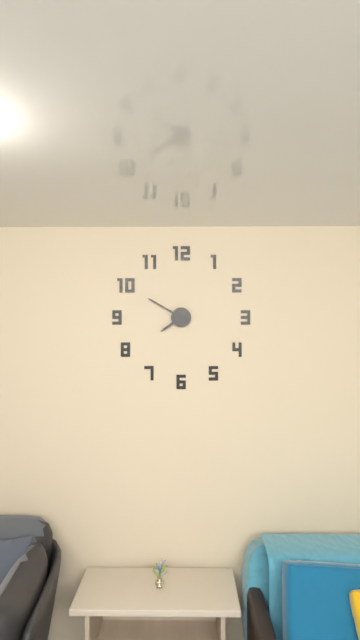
h=7 m=50
